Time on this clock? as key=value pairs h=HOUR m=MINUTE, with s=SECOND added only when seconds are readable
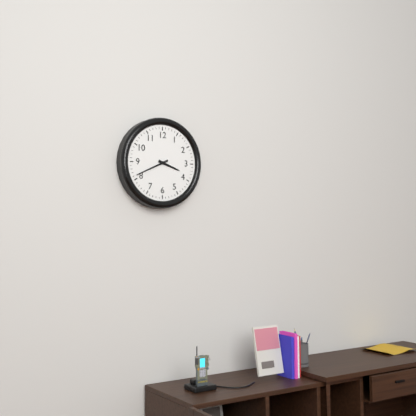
h=3 m=41
